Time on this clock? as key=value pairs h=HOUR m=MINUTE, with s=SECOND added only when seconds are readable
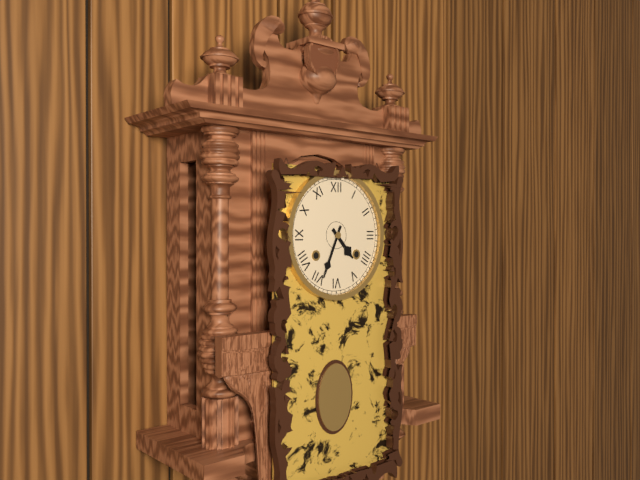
h=4 m=34
